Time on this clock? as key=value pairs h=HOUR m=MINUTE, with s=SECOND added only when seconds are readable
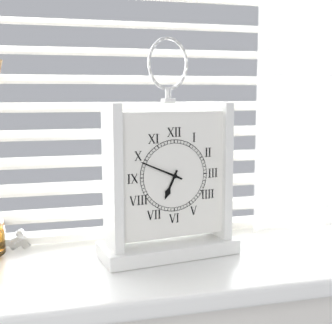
h=6 m=49
